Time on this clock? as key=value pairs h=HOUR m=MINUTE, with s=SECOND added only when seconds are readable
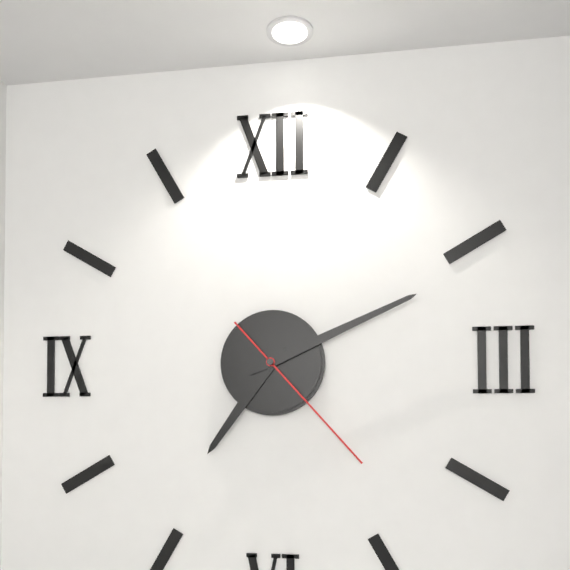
h=7 m=11 s=23
